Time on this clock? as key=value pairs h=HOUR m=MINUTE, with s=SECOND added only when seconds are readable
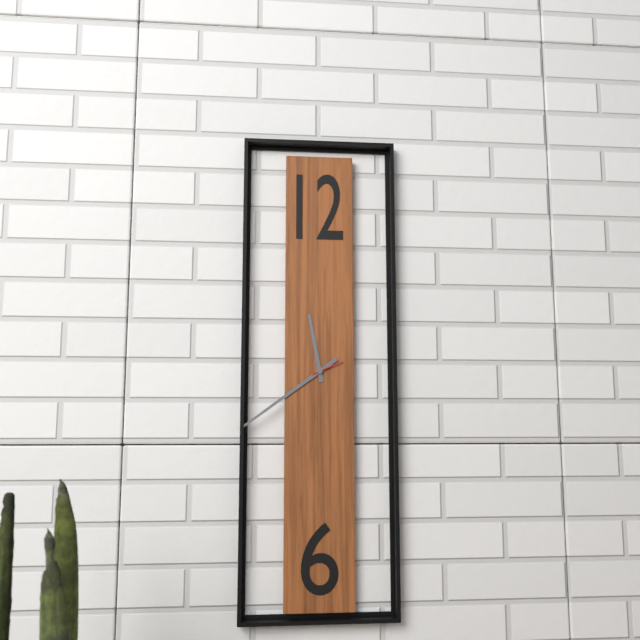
h=11 m=39
